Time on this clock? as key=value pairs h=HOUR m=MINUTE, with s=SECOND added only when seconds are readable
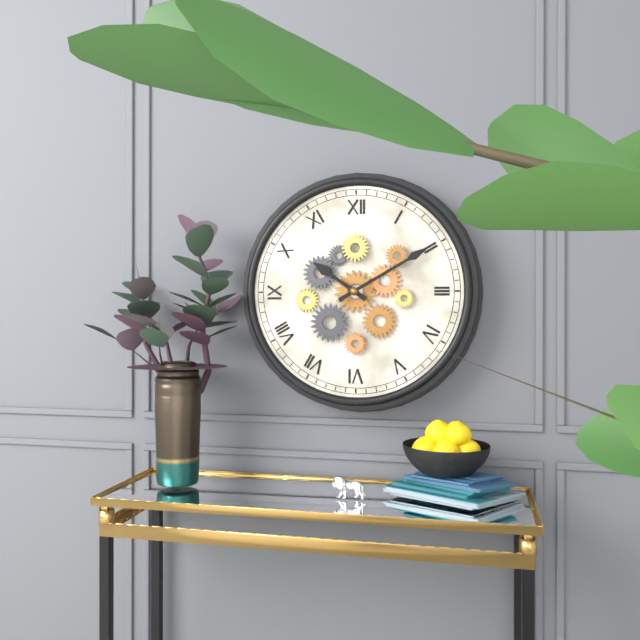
h=10 m=10
